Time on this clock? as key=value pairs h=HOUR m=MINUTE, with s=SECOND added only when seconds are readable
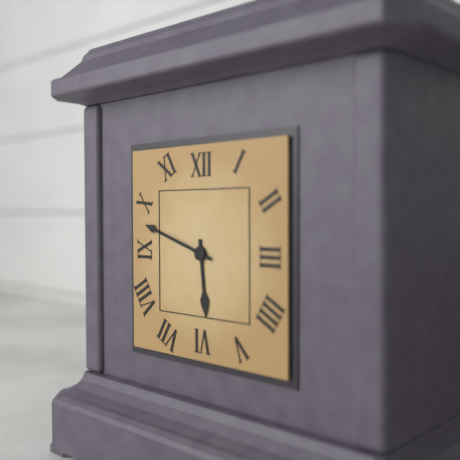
h=5 m=48
